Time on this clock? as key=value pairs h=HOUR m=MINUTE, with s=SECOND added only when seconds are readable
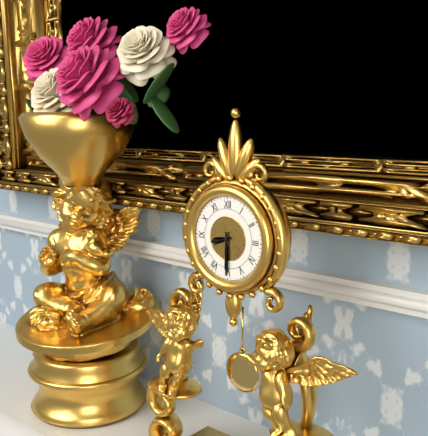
h=8 m=30
